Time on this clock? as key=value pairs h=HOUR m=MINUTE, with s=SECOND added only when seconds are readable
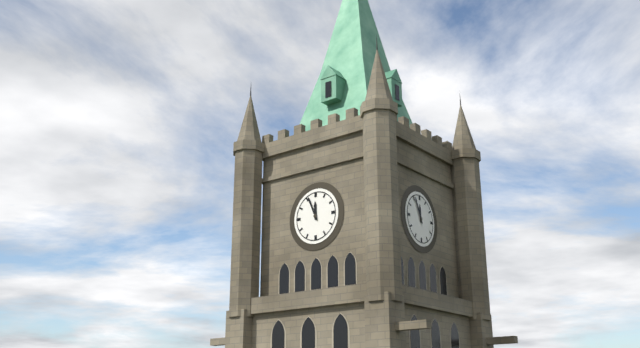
h=11 m=56
